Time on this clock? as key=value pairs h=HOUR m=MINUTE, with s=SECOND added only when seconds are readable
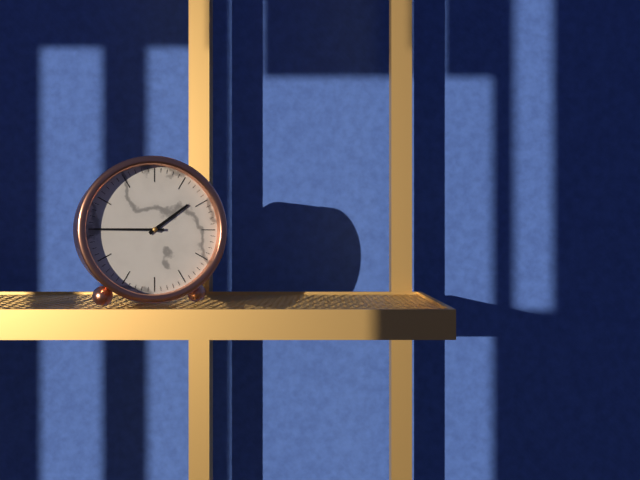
h=1 m=45
